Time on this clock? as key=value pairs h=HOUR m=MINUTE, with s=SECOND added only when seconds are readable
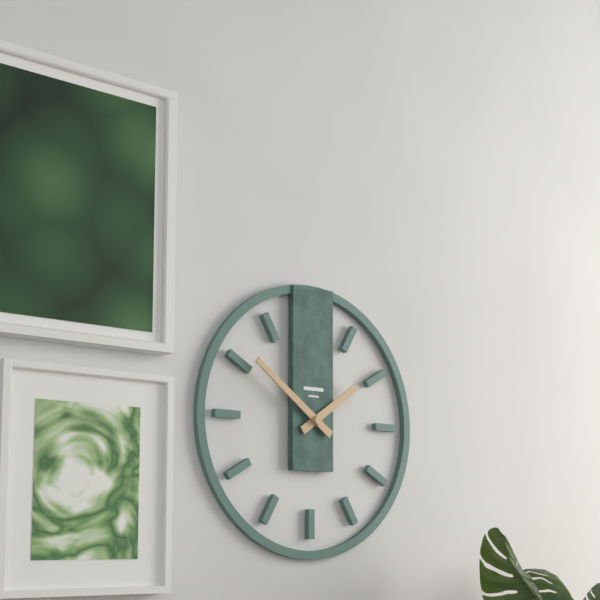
h=1 m=51
